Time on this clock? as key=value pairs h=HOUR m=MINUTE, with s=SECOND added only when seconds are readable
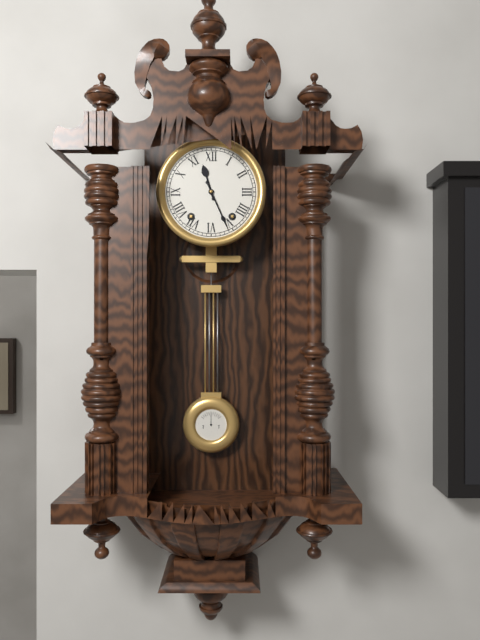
h=11 m=26
